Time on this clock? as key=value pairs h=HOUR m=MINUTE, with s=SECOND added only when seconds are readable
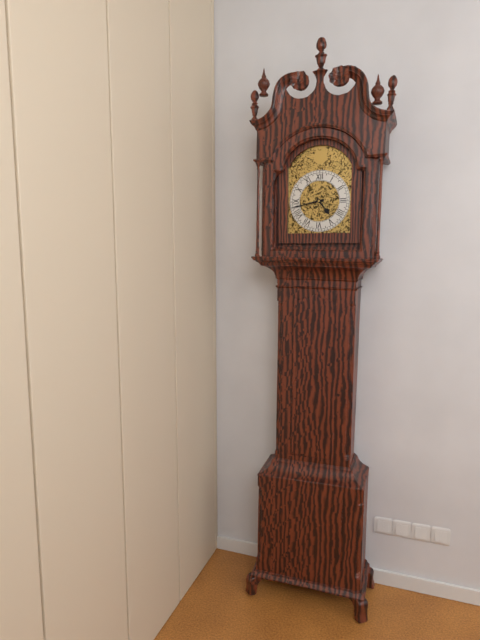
h=4 m=43
